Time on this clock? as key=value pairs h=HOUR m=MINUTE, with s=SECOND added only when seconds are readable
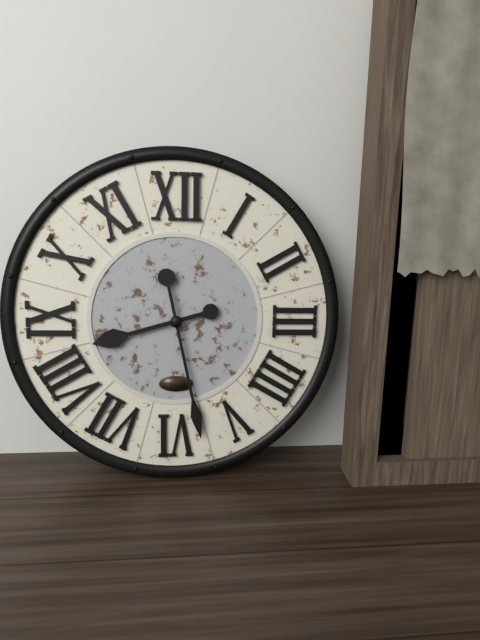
h=8 m=28
